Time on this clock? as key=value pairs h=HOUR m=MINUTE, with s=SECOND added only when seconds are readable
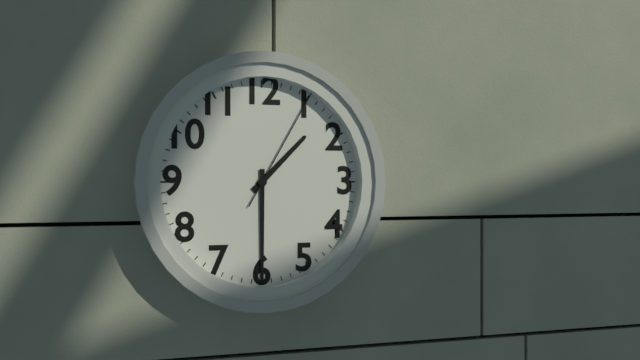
h=1 m=30 s=5
